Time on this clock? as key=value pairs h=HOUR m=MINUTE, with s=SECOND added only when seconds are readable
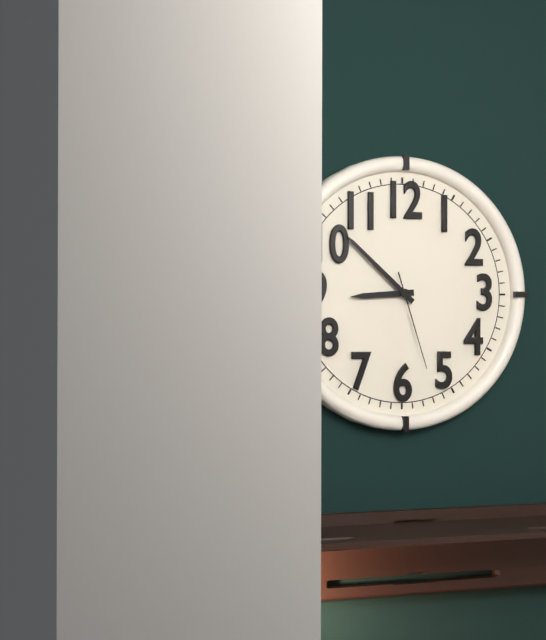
h=8 m=52 s=27
